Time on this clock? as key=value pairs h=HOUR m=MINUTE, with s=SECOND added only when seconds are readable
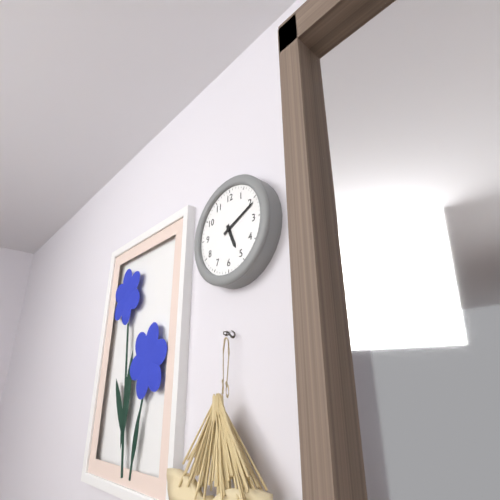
h=5 m=11
